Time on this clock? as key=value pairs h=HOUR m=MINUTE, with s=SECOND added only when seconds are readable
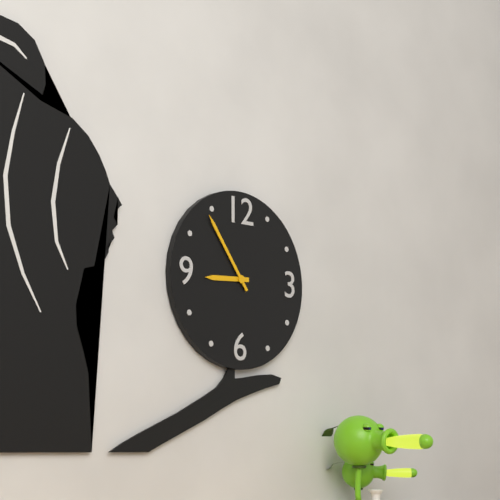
h=8 m=54
